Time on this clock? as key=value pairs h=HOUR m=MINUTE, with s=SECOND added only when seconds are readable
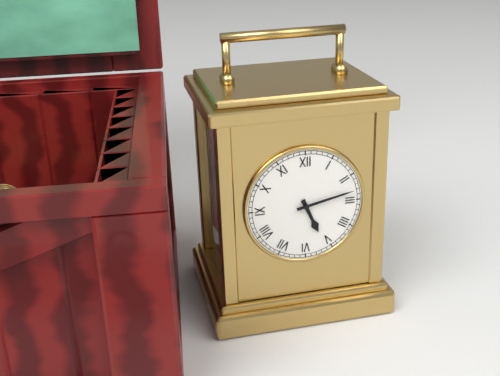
h=5 m=13
